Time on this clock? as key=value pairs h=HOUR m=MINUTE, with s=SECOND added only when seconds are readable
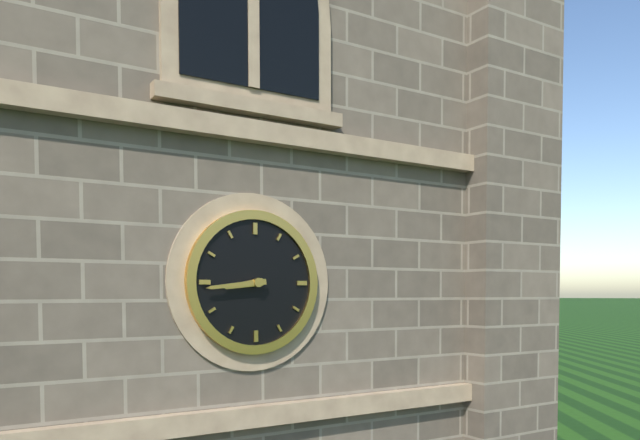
h=8 m=44
